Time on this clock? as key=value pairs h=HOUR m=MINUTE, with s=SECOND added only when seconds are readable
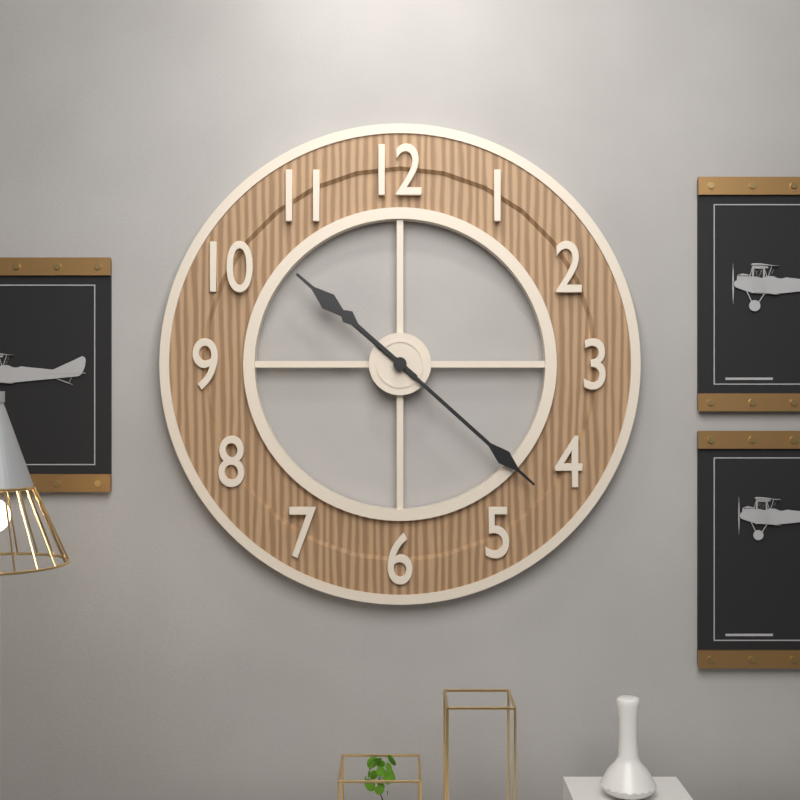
h=10 m=22
